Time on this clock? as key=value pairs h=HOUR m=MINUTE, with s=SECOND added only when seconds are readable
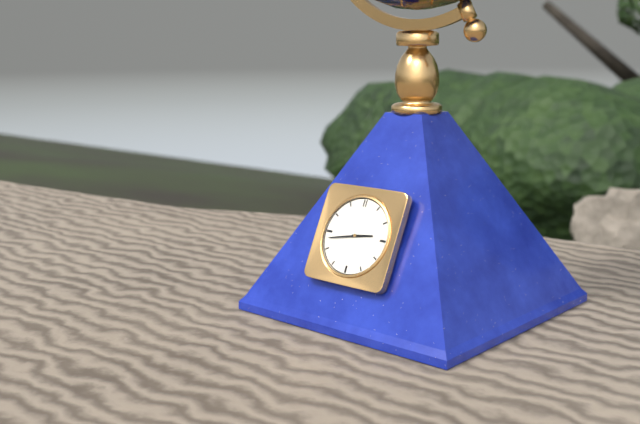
h=2 m=43
